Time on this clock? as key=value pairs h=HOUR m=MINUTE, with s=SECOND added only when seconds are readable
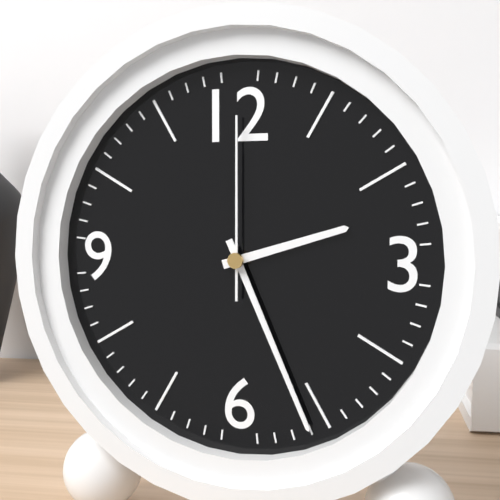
h=2 m=26 s=0
